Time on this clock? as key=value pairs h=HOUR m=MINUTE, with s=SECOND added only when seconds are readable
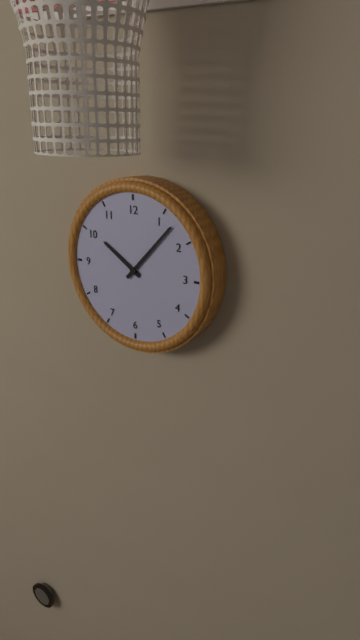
h=10 m=7
